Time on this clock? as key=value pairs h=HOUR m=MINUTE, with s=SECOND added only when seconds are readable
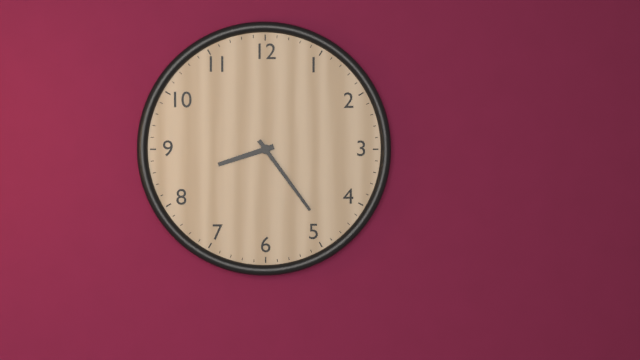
h=8 m=24
